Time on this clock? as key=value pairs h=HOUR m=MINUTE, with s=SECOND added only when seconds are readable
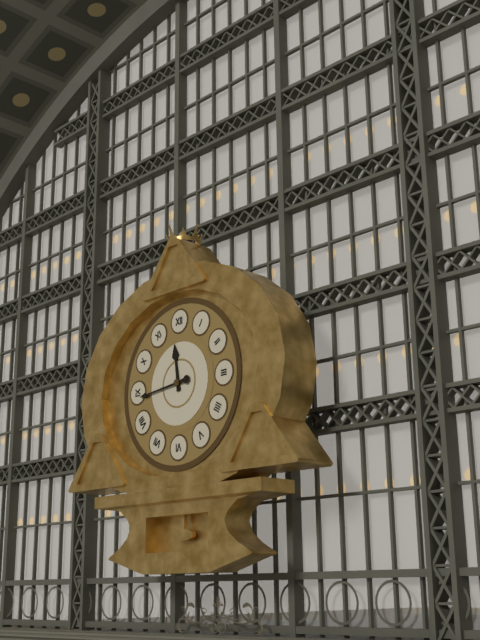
h=11 m=44
